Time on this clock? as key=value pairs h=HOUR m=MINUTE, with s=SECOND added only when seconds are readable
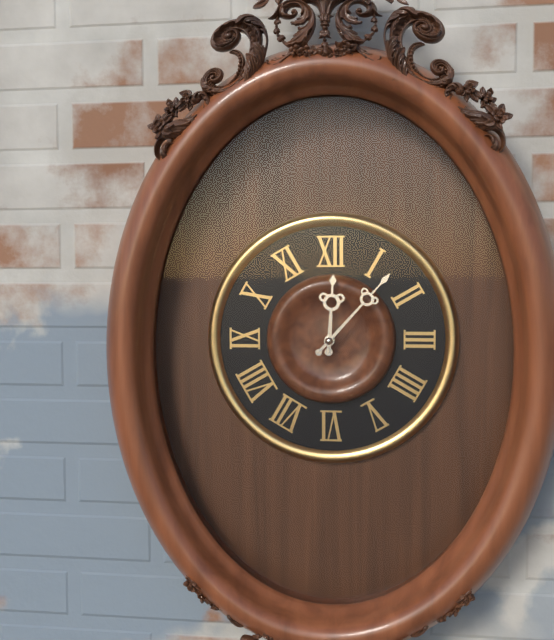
h=12 m=7
